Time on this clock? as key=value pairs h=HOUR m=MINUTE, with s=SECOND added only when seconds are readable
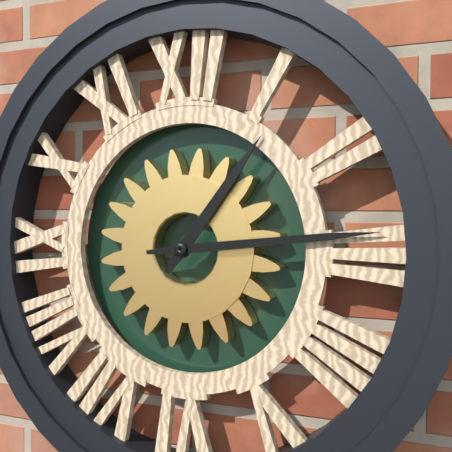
h=1 m=14
